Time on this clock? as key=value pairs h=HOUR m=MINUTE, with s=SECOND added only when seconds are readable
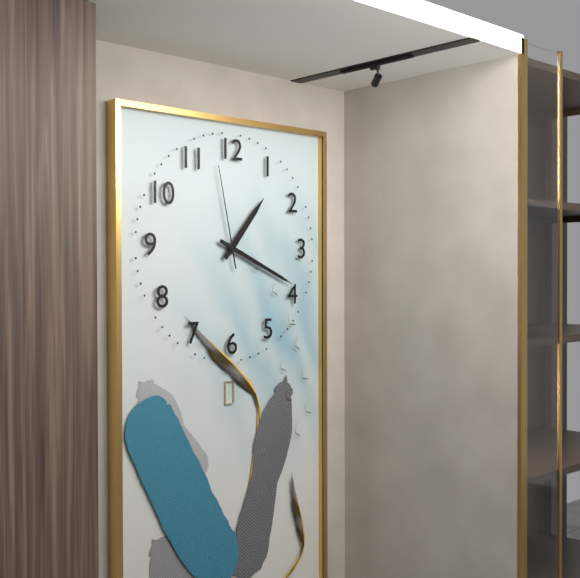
h=1 m=19 s=58
